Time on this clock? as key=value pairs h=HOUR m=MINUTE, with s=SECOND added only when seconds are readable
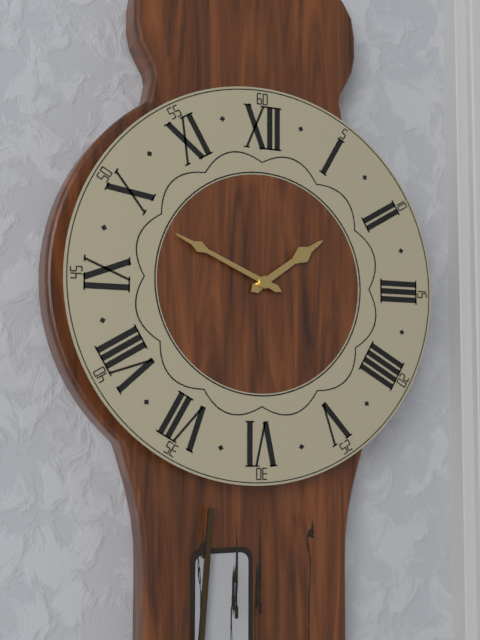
h=1 m=49
